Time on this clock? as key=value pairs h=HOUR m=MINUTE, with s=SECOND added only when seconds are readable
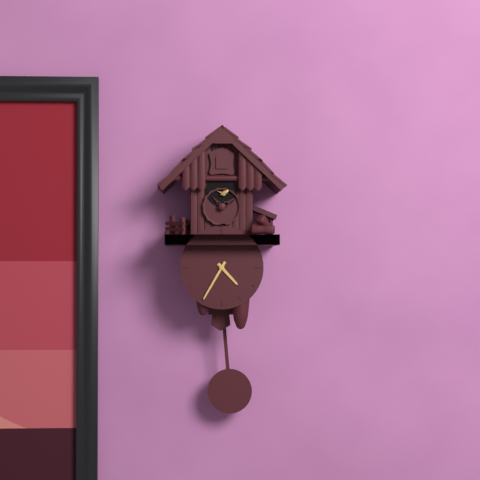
h=4 m=35
